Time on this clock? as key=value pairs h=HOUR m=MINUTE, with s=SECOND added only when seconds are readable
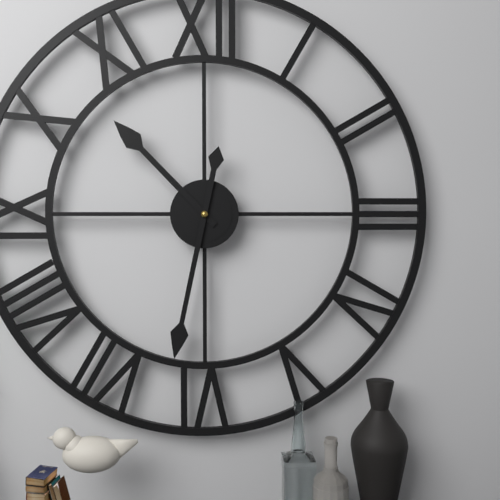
h=10 m=32
